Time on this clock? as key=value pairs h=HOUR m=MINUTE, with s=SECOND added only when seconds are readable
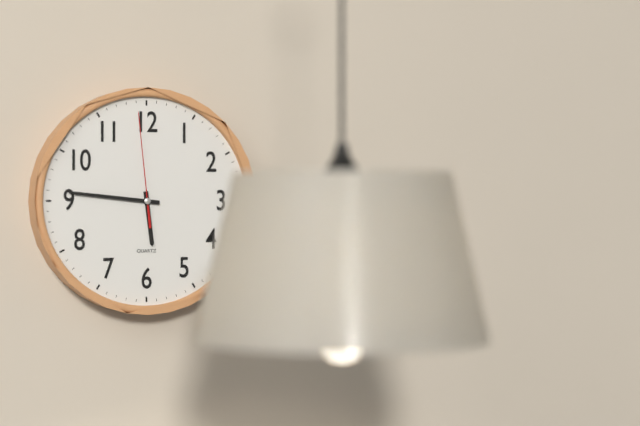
h=5 m=46 s=59
